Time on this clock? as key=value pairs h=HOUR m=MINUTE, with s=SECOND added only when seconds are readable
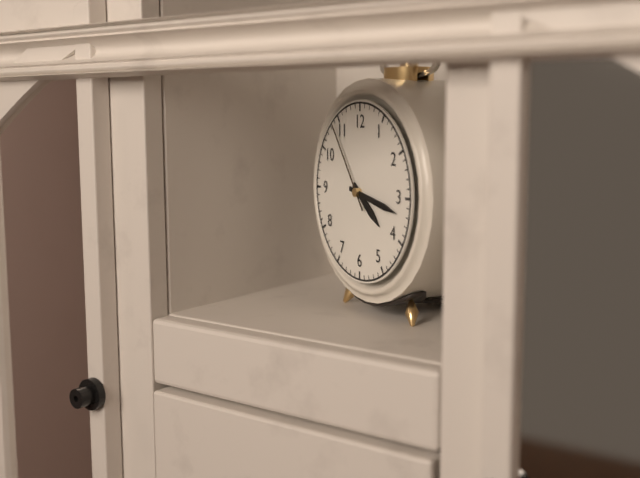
h=4 m=17 s=54
